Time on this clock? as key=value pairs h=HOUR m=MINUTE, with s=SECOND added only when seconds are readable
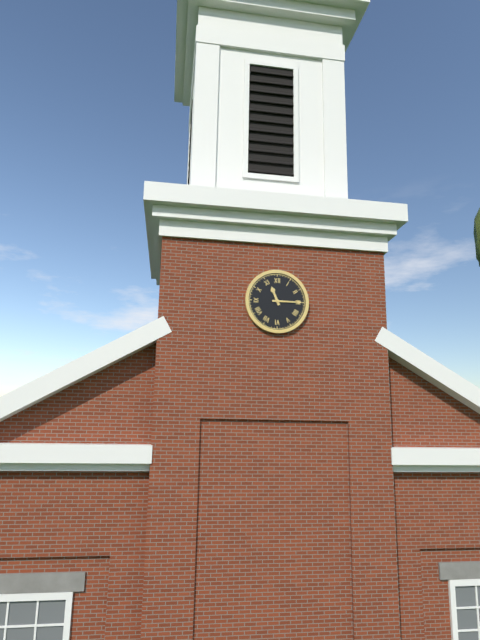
h=11 m=15
